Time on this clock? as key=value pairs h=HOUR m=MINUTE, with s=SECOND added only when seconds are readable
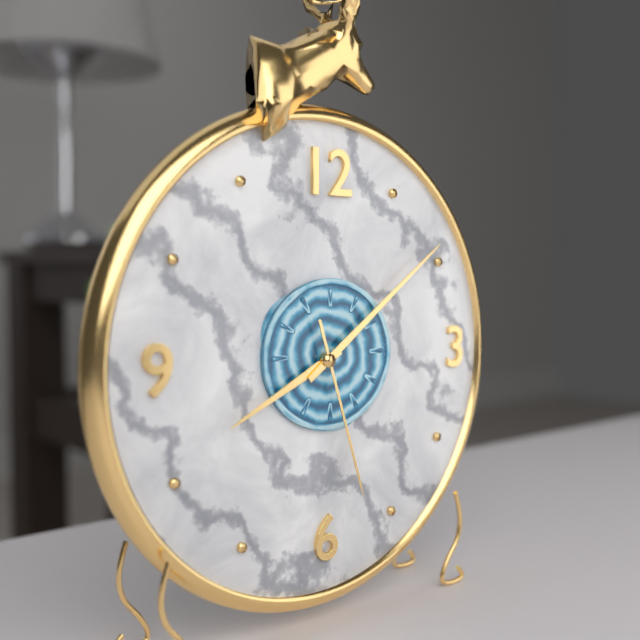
h=8 m=9 s=27
